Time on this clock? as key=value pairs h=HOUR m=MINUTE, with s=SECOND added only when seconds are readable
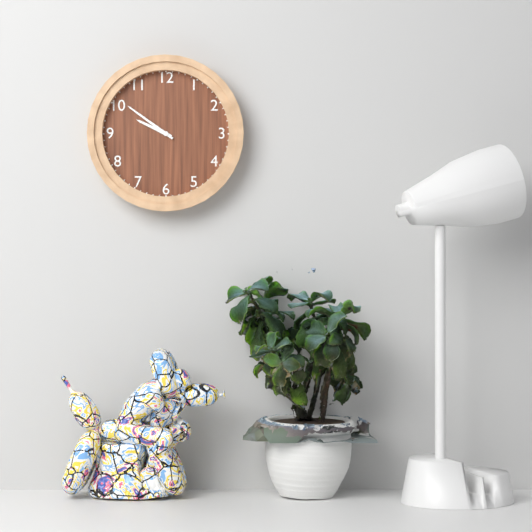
h=9 m=51
